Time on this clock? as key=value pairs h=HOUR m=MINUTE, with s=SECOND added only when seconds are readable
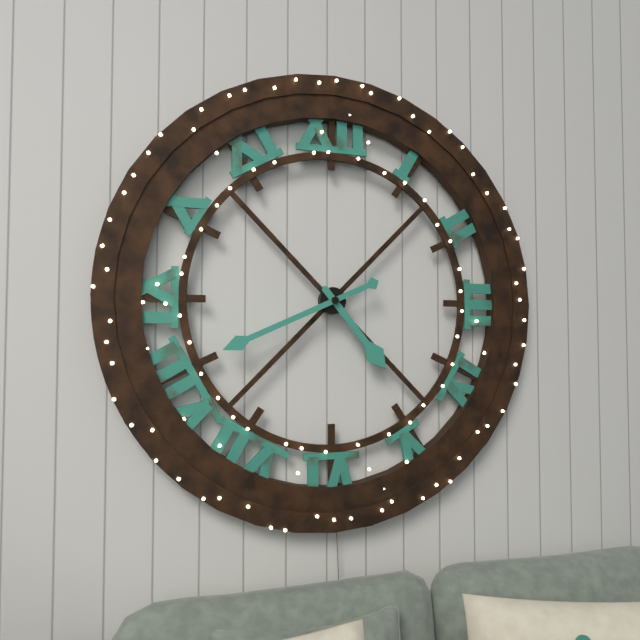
h=4 m=41
